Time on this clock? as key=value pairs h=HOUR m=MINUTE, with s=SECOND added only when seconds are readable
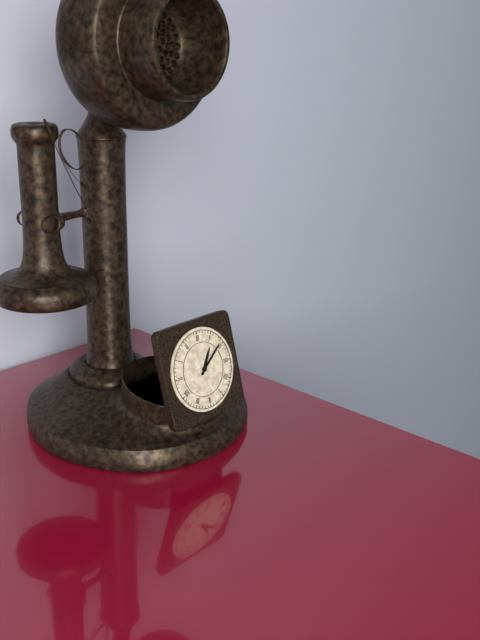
h=1 m=9
